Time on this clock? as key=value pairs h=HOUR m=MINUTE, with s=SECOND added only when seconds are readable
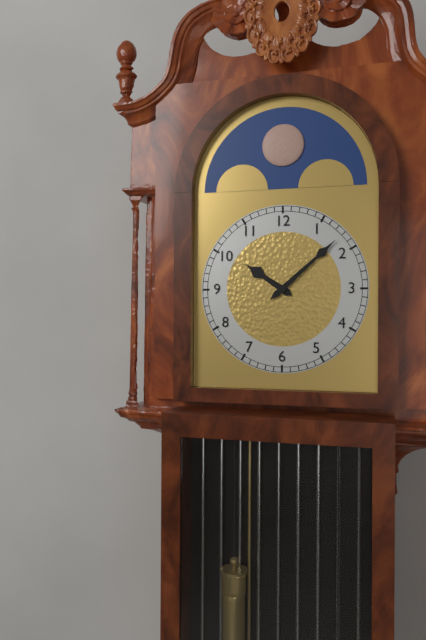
h=10 m=8
